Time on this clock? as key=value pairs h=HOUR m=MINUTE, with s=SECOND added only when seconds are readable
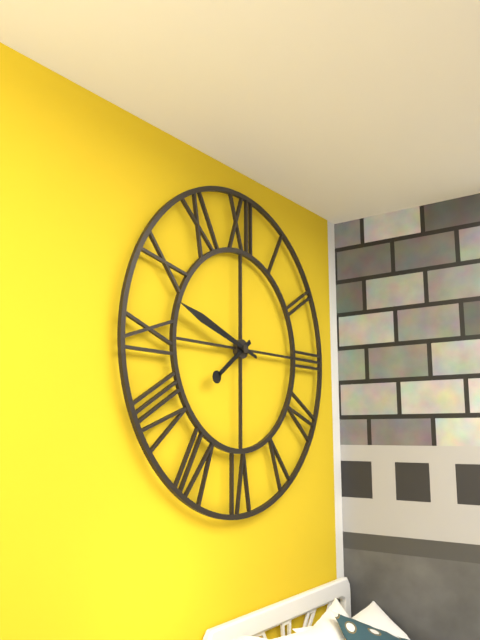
h=7 m=48
